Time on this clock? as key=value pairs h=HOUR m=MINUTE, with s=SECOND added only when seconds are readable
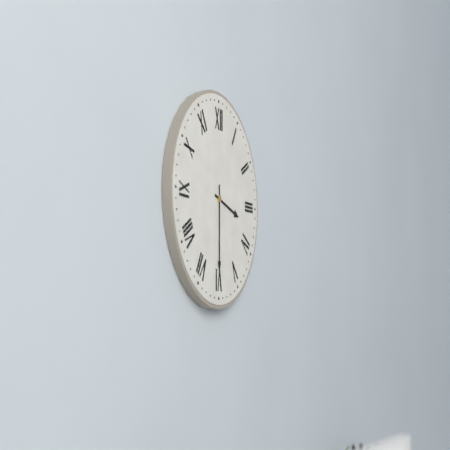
h=3 m=30
